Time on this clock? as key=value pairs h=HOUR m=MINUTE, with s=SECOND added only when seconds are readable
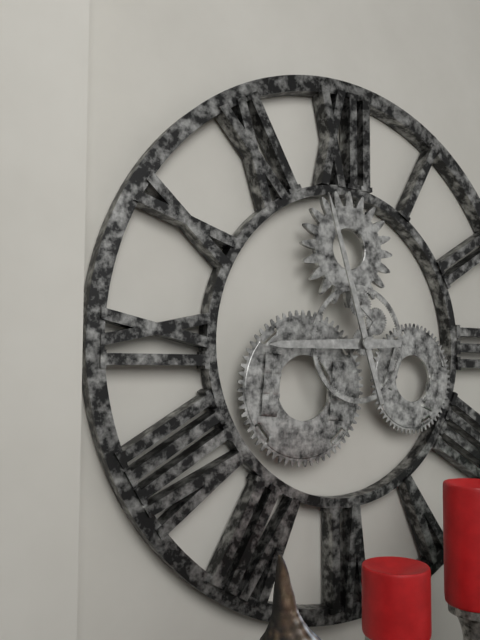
h=8 m=57
